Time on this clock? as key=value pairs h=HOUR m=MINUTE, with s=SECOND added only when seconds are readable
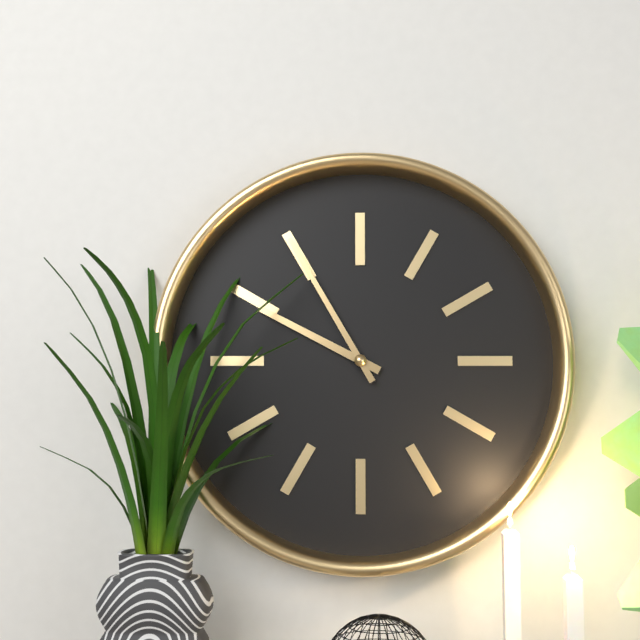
h=9 m=55
